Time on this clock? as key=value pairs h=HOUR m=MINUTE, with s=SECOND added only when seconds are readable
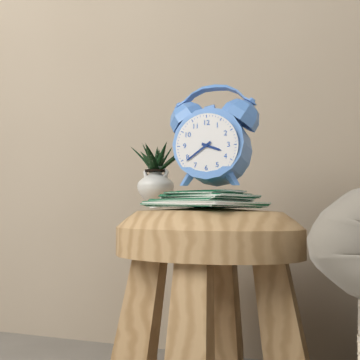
h=3 m=39
